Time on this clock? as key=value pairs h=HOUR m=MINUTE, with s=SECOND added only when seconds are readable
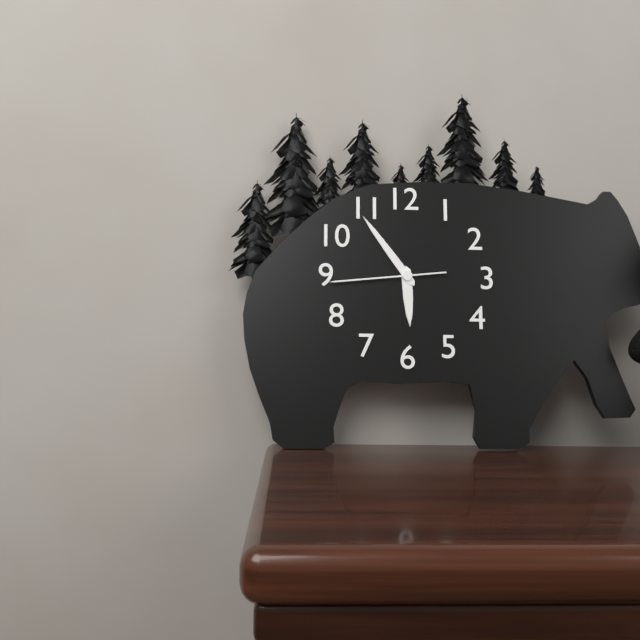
h=5 m=54 s=44
